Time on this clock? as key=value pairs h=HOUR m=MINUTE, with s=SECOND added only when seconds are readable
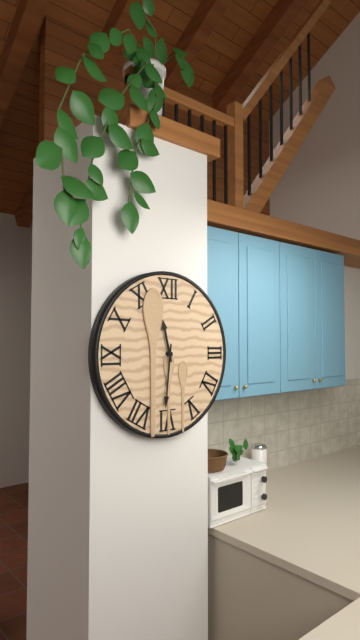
h=11 m=31
